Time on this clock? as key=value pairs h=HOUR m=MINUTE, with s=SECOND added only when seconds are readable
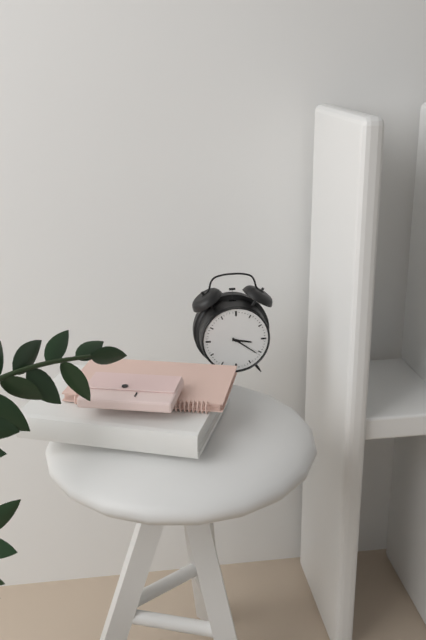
h=3 m=21
